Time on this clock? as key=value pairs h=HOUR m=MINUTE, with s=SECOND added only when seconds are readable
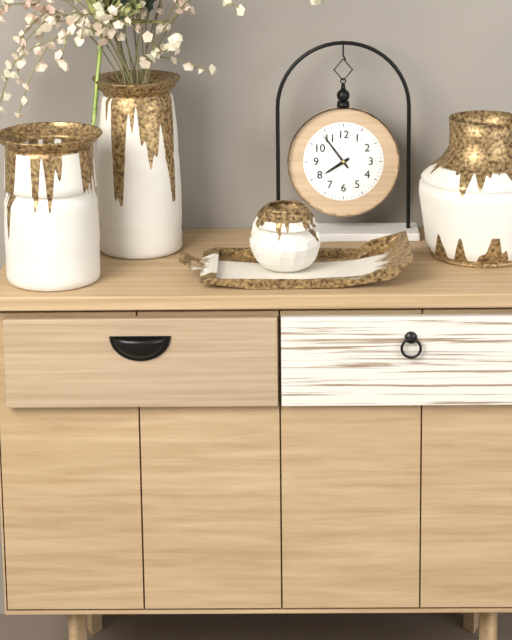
h=7 m=54
